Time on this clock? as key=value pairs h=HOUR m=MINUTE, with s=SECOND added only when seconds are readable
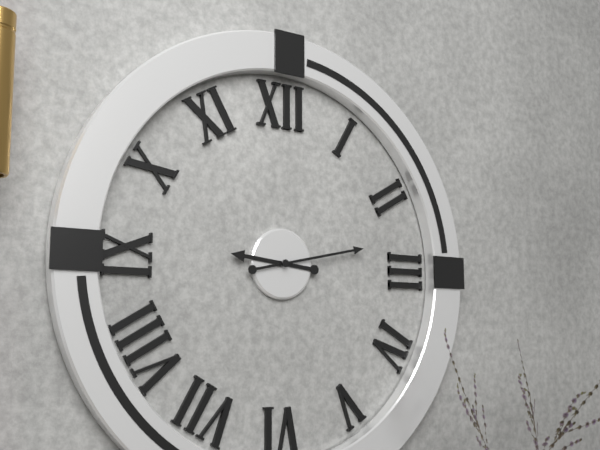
h=9 m=13
